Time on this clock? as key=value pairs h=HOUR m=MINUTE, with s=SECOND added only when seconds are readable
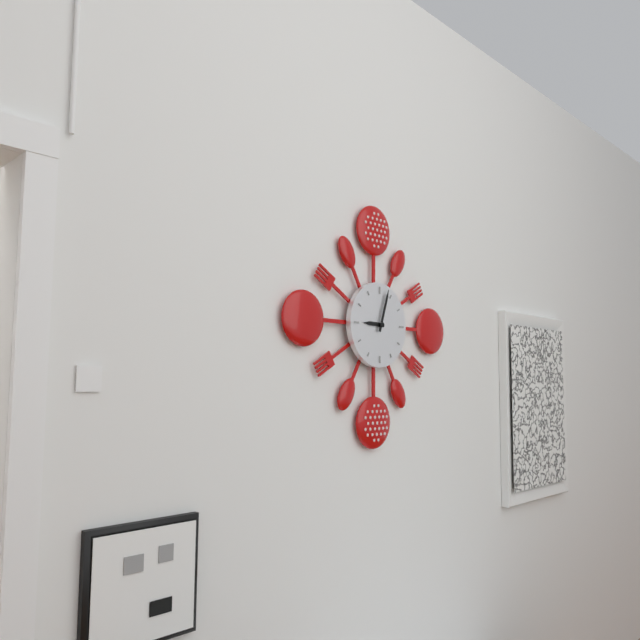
h=9 m=3
